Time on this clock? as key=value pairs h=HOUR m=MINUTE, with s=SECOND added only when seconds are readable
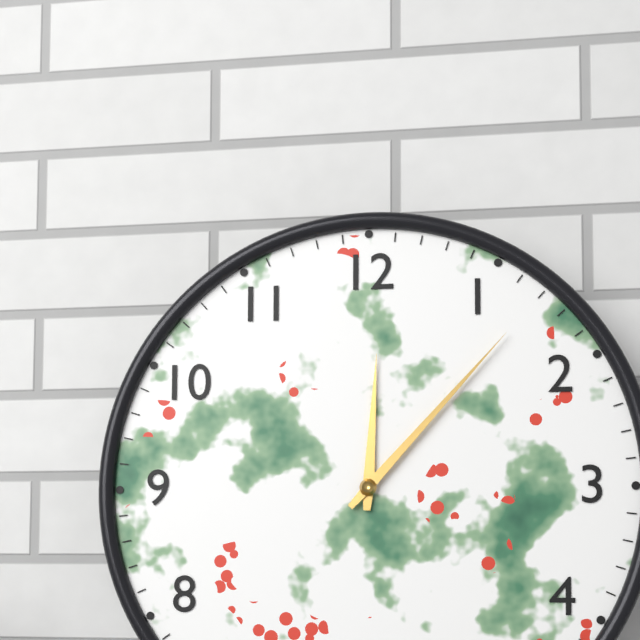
h=12 m=7
